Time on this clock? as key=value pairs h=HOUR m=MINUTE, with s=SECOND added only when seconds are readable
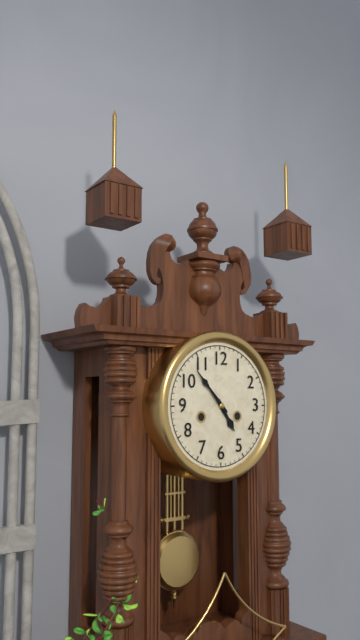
h=4 m=53
